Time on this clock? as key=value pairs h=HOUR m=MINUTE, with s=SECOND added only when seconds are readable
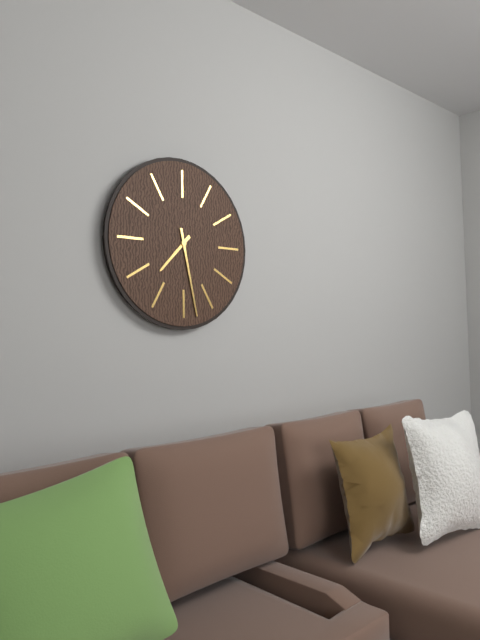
h=7 m=28
